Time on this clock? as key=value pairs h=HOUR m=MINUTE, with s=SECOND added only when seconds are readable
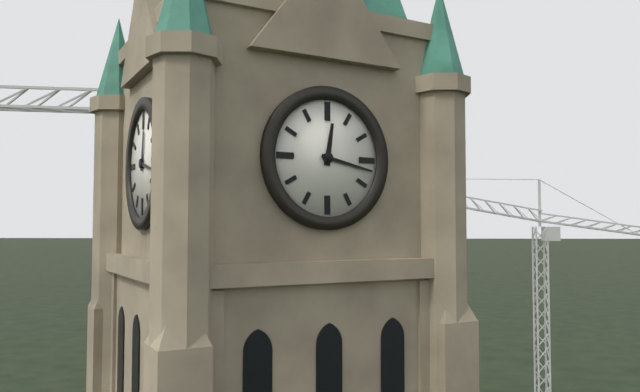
h=12 m=17
